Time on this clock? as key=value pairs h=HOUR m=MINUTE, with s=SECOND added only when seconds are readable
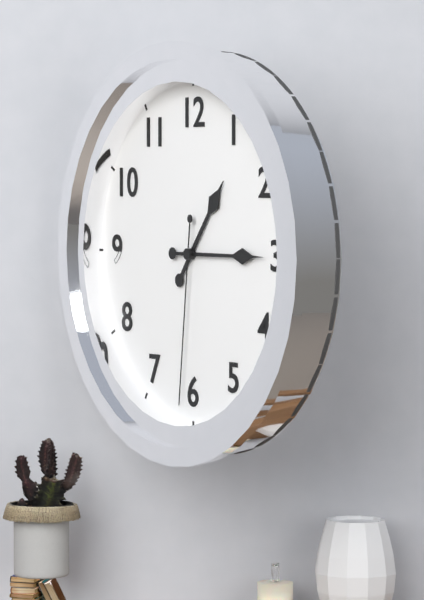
h=1 m=15 s=31
